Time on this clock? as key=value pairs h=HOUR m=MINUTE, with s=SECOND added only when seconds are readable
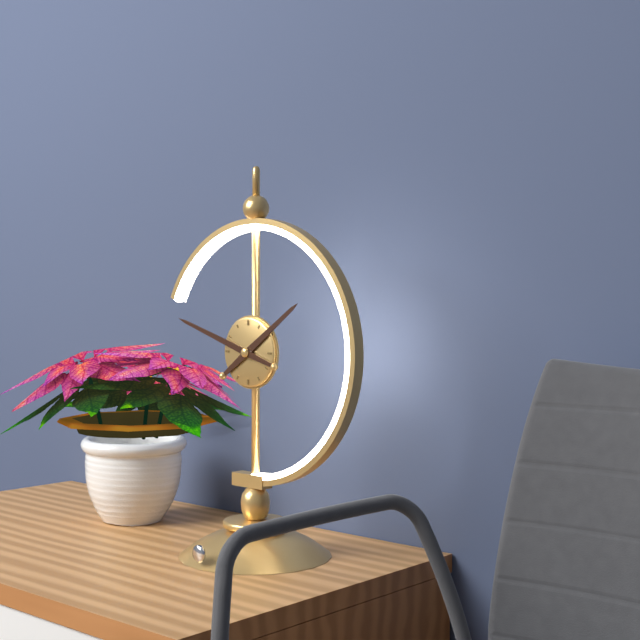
h=1 m=48
